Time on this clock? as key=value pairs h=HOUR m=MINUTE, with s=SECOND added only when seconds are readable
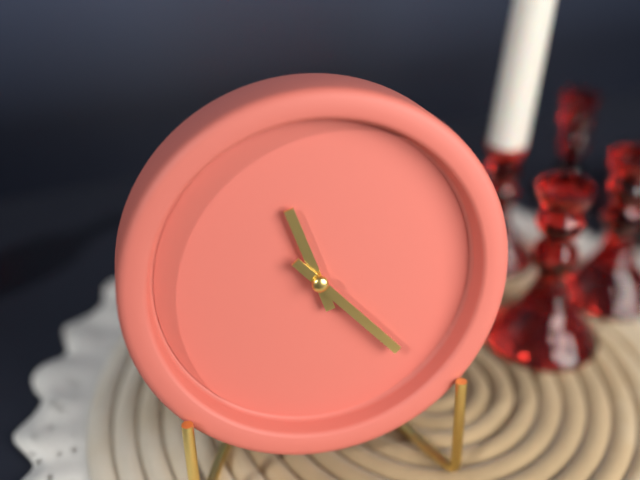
h=11 m=23
